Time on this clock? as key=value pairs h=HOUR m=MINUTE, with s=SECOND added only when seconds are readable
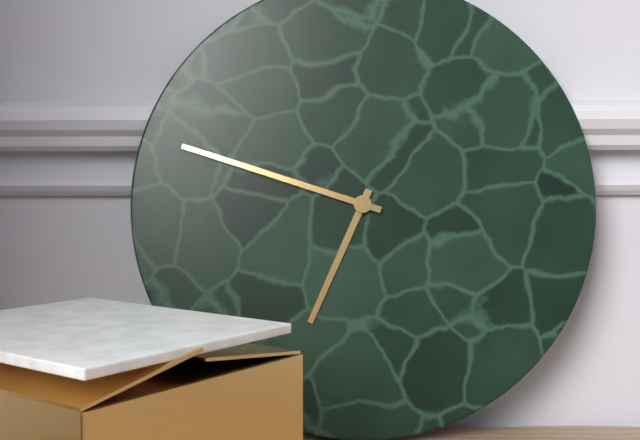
h=6 m=48
